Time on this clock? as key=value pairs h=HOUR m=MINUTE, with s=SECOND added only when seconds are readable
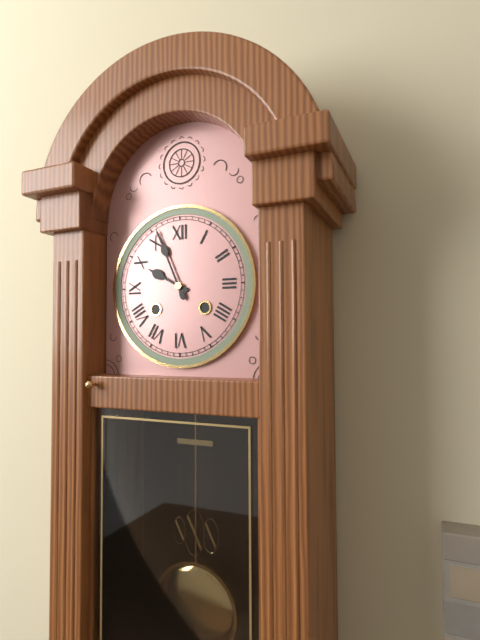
h=9 m=56
